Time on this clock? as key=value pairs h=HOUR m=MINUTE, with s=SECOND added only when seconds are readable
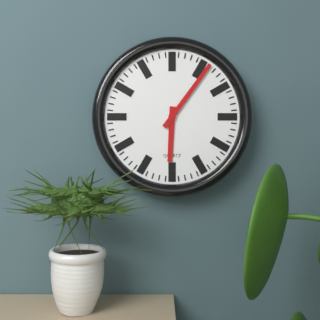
h=6 m=6
